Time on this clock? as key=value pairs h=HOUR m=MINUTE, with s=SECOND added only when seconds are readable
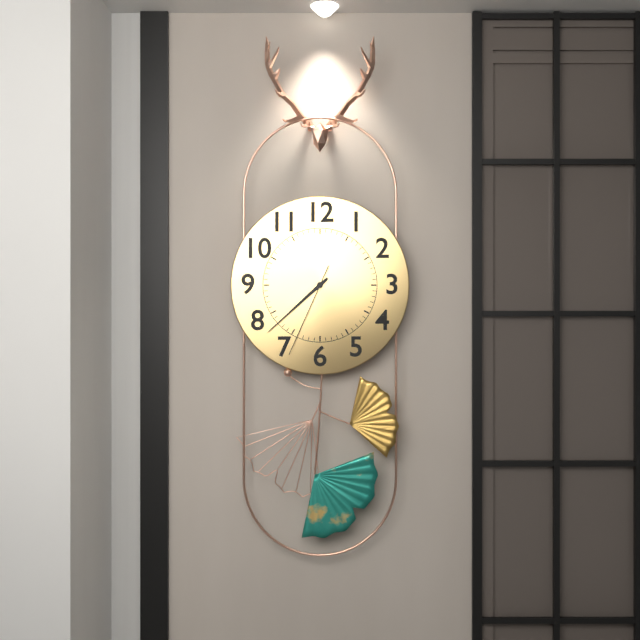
h=7 m=38 s=34
